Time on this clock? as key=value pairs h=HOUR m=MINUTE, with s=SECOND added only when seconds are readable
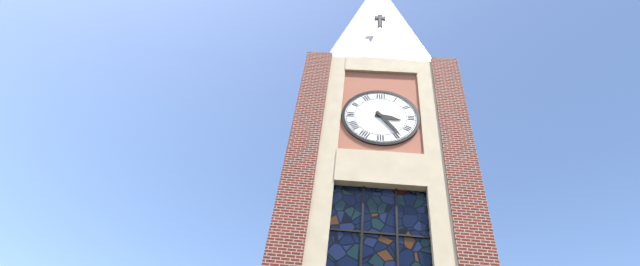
h=3 m=24
